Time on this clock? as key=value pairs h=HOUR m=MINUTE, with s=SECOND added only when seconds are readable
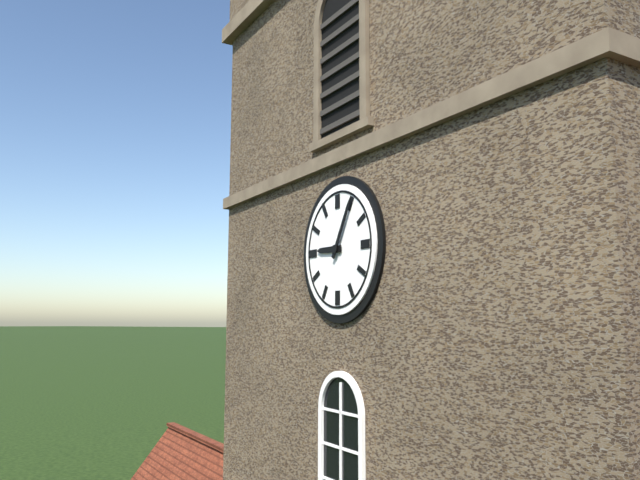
h=9 m=5
